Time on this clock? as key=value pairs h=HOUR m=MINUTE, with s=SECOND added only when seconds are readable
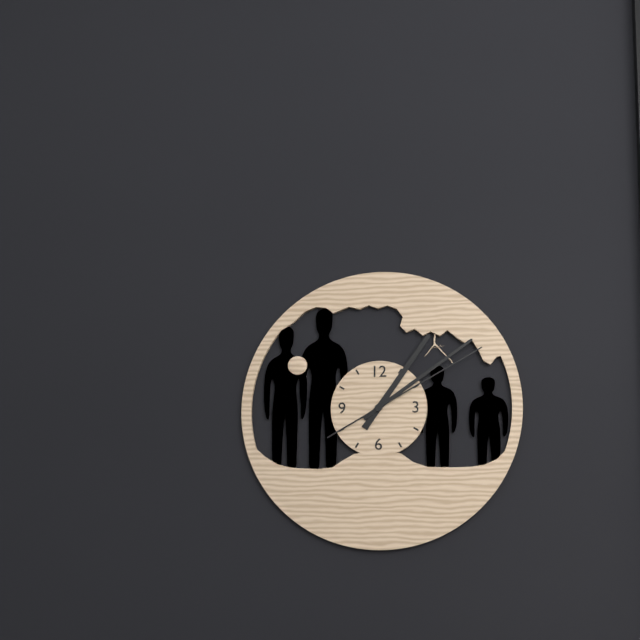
h=1 m=9 s=10
